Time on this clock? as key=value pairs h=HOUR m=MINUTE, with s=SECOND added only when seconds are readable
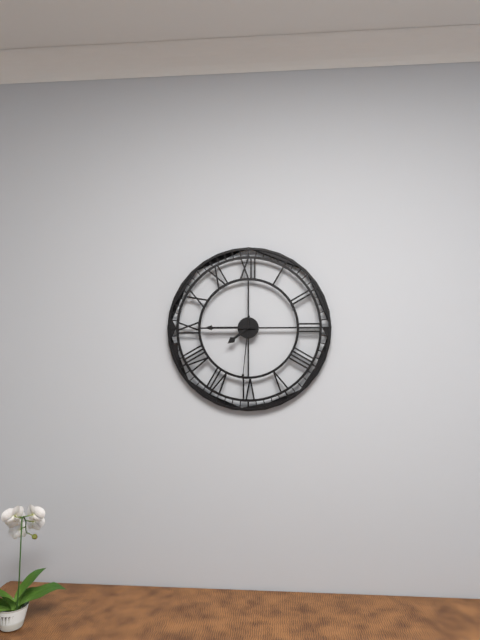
h=7 m=45 s=31
